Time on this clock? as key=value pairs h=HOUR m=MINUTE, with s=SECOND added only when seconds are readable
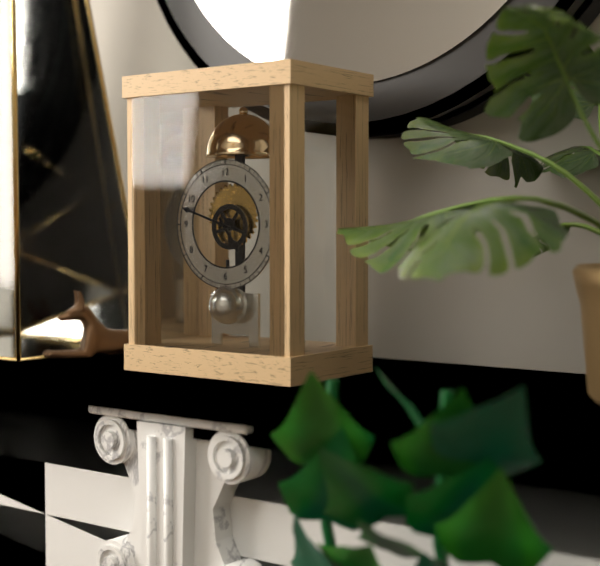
h=4 m=48
